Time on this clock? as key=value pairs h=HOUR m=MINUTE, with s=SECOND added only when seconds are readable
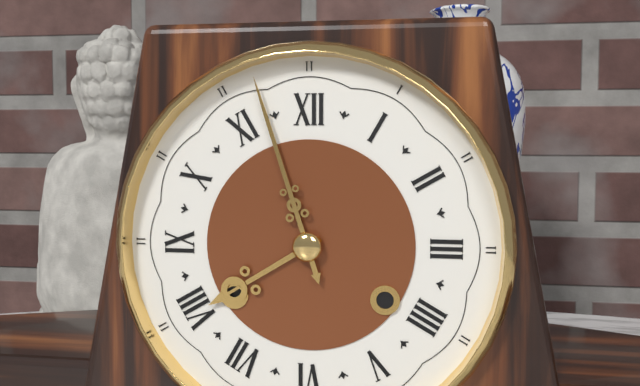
h=7 m=57
